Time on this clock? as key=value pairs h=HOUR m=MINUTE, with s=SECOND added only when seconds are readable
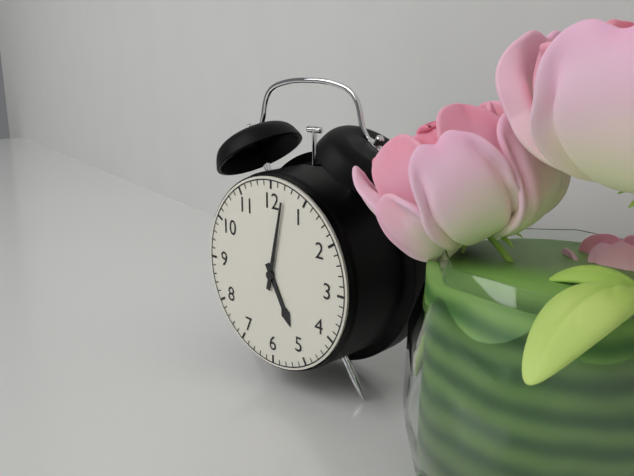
h=5 m=2
